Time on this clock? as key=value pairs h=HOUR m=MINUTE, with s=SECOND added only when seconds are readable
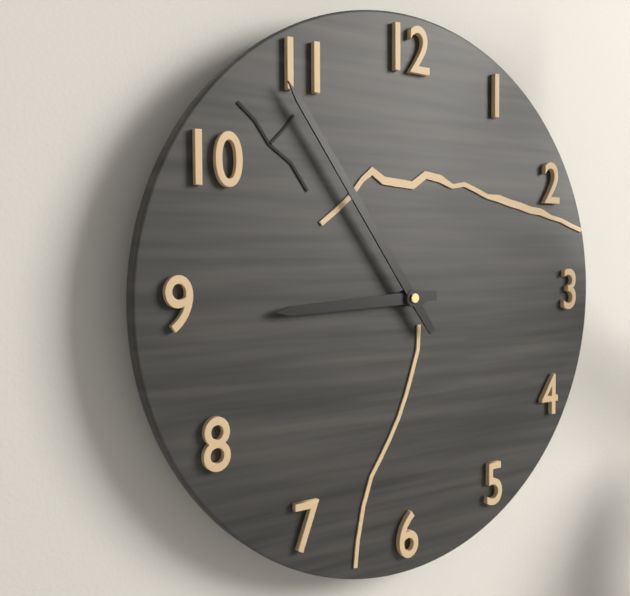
h=8 m=54
